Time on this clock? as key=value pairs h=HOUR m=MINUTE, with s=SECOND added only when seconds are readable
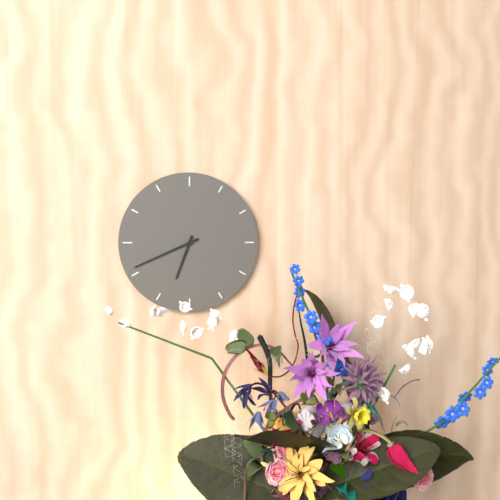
h=6 m=41
